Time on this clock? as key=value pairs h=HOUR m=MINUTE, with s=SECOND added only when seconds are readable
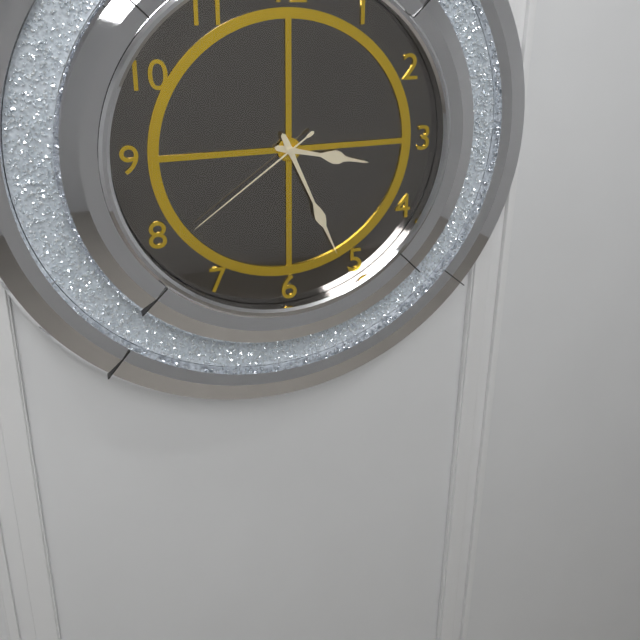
h=3 m=26 s=39
